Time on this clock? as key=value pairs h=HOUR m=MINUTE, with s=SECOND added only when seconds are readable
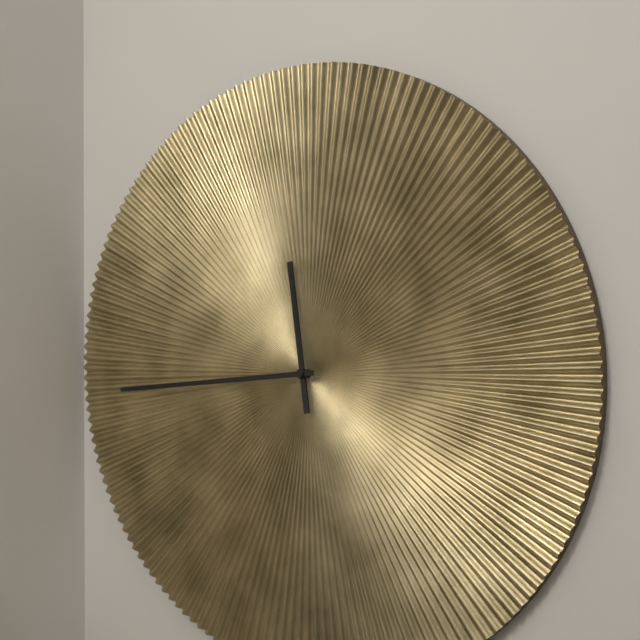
h=11 m=44
